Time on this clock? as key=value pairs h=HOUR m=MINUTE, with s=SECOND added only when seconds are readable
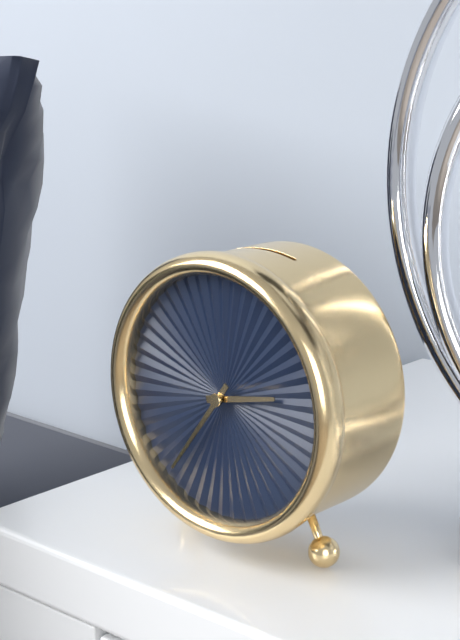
h=2 m=36
